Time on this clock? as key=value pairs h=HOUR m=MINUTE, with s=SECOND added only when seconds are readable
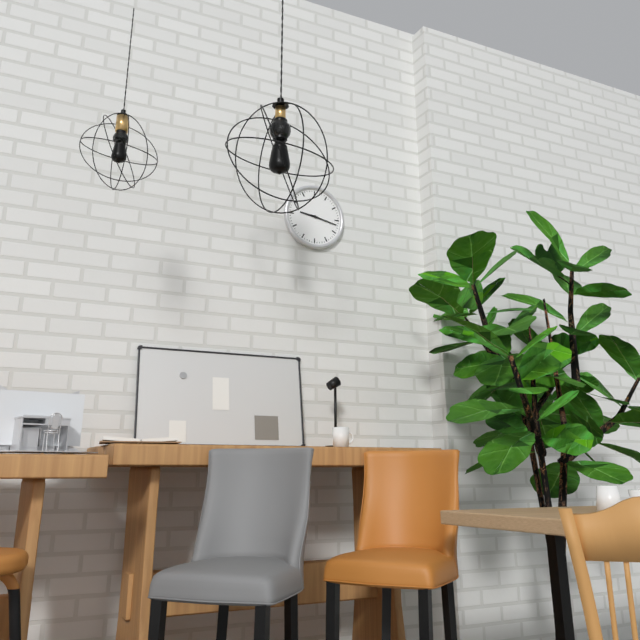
h=9 m=17
